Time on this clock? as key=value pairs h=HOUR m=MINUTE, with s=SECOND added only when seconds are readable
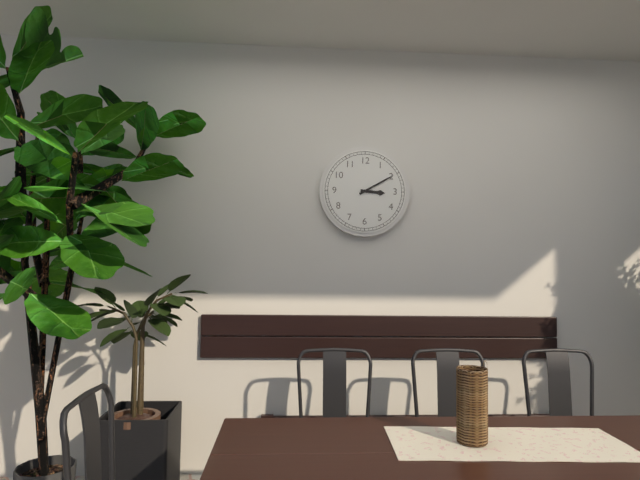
h=3 m=10
